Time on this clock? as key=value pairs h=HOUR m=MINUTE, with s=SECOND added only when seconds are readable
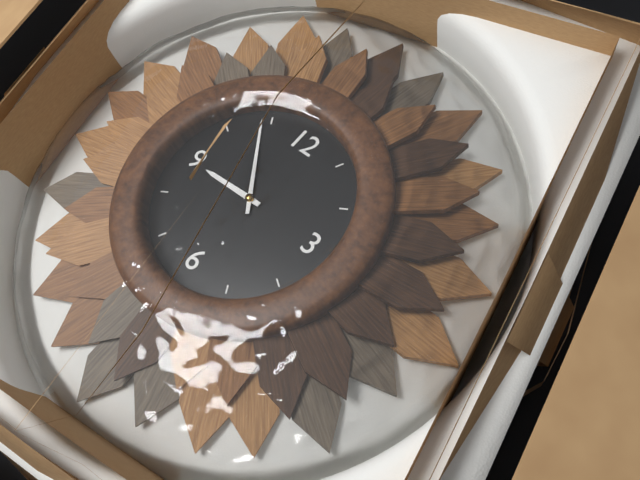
h=8 m=54
